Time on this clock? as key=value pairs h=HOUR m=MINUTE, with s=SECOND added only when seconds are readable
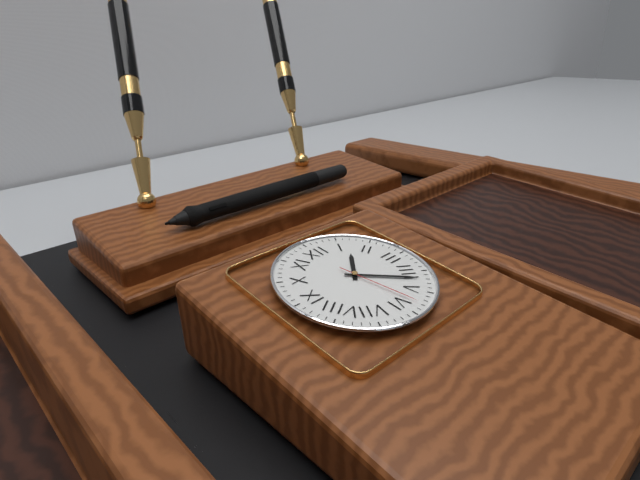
h=1 m=22 s=28
